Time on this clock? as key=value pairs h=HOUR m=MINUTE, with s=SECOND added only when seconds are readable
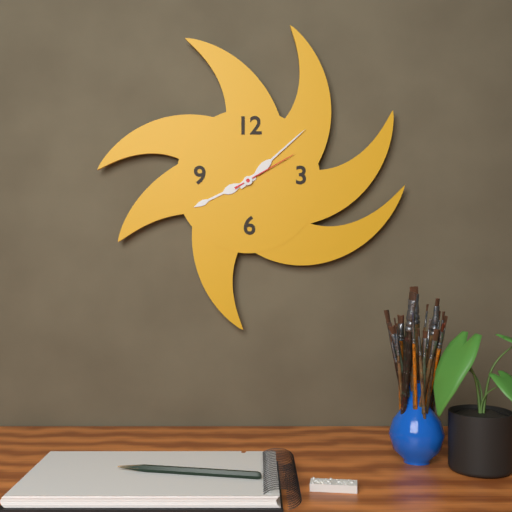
h=8 m=8 s=10
